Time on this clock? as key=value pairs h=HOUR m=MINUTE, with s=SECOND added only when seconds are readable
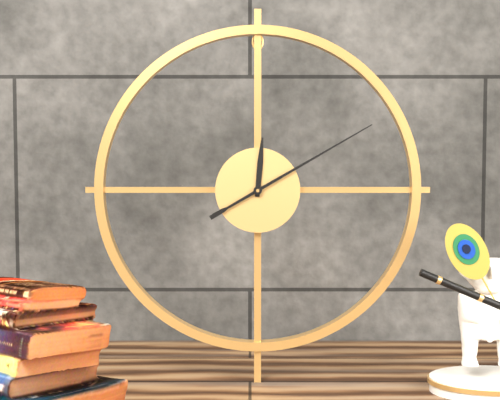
h=12 m=10
